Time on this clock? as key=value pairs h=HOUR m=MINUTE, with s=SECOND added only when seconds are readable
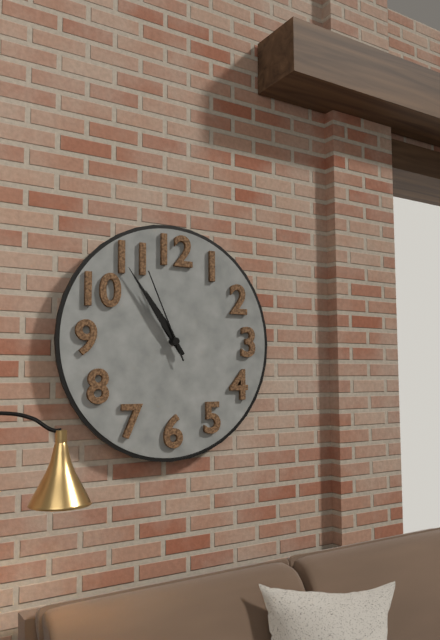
h=10 m=54 s=56
